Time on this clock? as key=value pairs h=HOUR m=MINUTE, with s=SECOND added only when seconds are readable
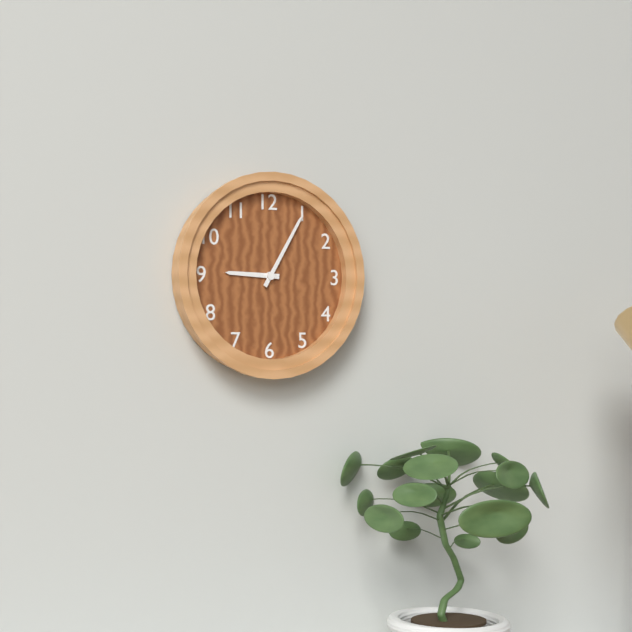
h=9 m=5
